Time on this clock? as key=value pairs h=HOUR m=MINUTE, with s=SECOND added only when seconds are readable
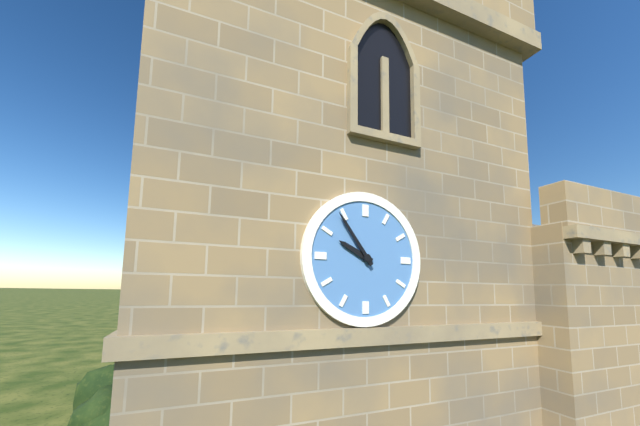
h=9 m=54
